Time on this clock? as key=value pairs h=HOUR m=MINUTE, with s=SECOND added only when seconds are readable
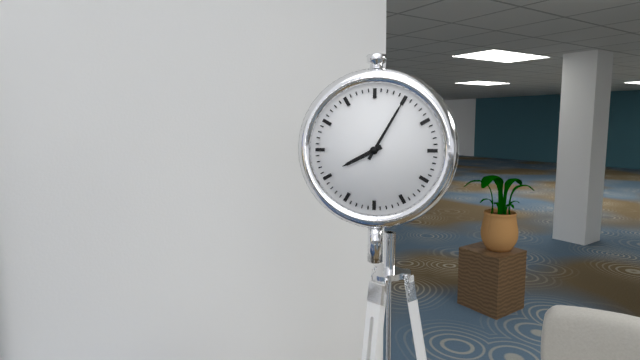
h=8 m=5
